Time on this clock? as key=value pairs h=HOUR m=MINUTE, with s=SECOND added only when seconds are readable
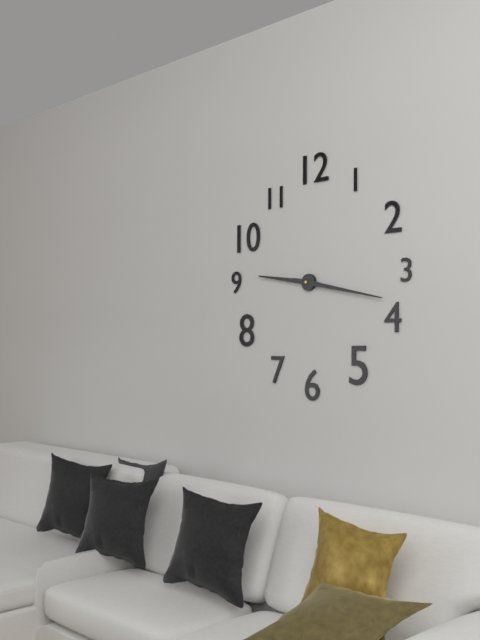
h=9 m=17
